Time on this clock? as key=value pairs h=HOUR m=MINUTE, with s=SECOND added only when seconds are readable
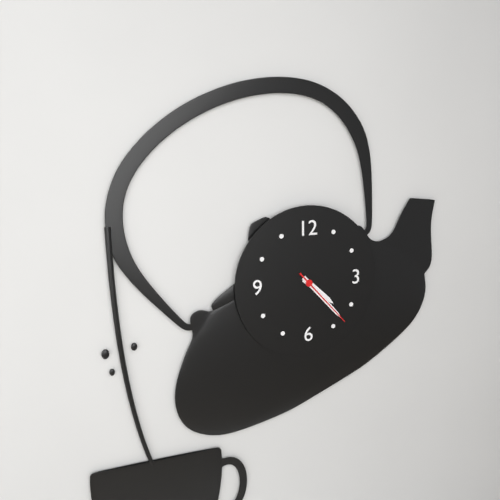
h=4 m=23 s=23
